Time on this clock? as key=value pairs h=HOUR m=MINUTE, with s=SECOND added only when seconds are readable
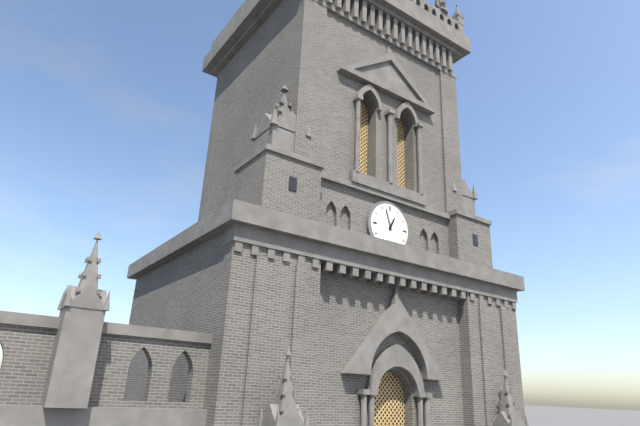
h=12 m=57
